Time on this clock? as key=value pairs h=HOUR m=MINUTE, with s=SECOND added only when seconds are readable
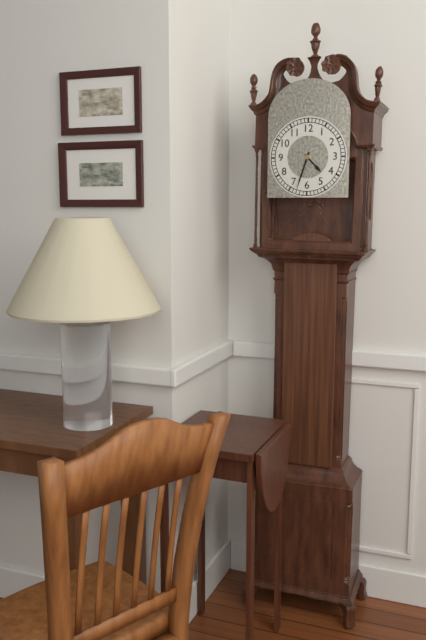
h=4 m=33
